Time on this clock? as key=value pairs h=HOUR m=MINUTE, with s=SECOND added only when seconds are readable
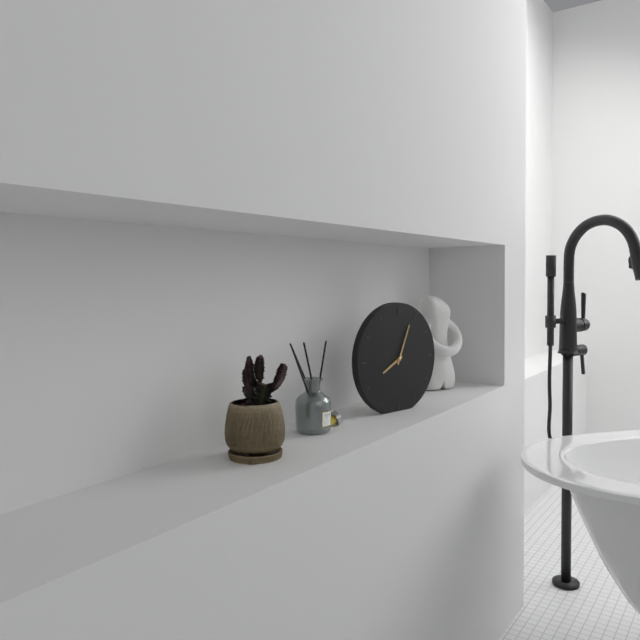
h=8 m=4
